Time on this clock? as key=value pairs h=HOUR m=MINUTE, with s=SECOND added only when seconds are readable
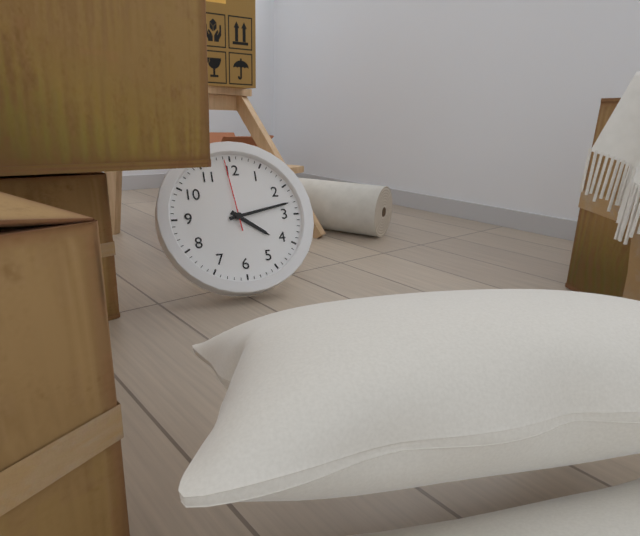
h=4 m=13 s=59
